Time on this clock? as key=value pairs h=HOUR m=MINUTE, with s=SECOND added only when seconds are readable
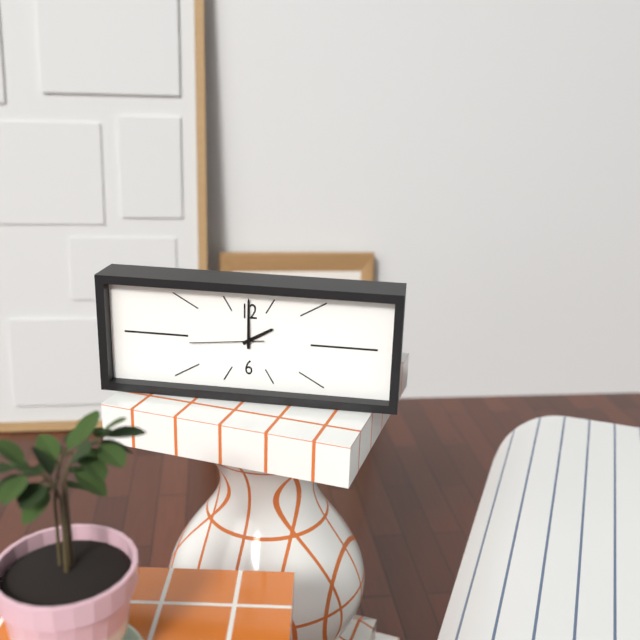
h=2 m=0 s=44
